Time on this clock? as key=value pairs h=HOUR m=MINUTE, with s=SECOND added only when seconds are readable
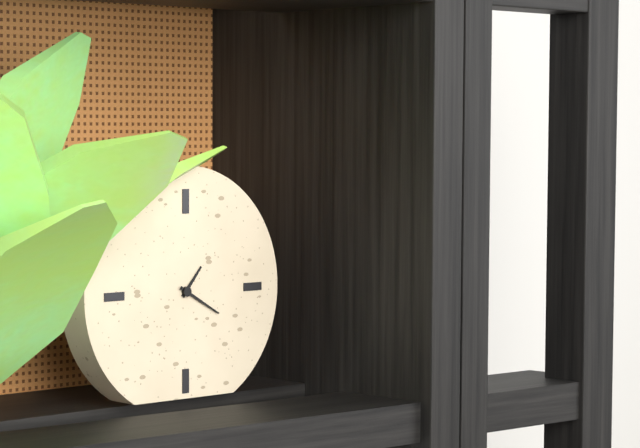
h=1 m=20
